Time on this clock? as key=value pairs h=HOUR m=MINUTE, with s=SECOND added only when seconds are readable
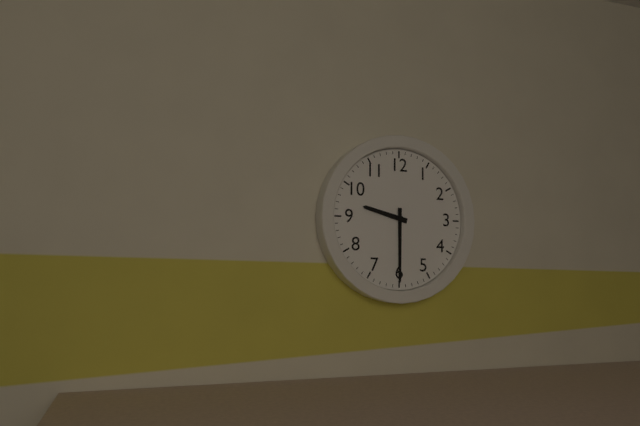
h=9 m=30
